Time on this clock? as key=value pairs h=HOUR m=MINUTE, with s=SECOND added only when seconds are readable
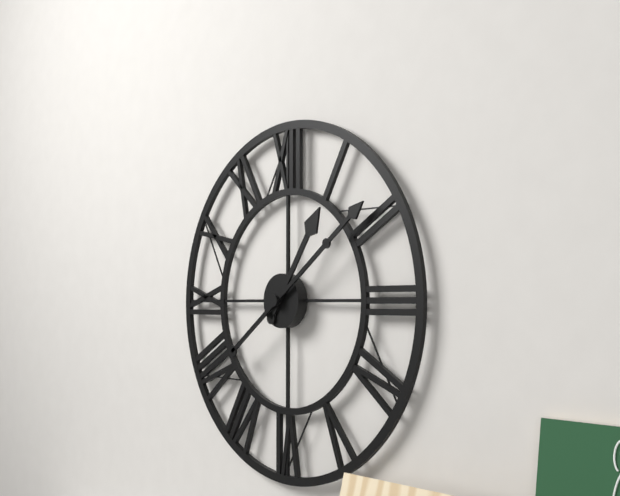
h=1 m=9
